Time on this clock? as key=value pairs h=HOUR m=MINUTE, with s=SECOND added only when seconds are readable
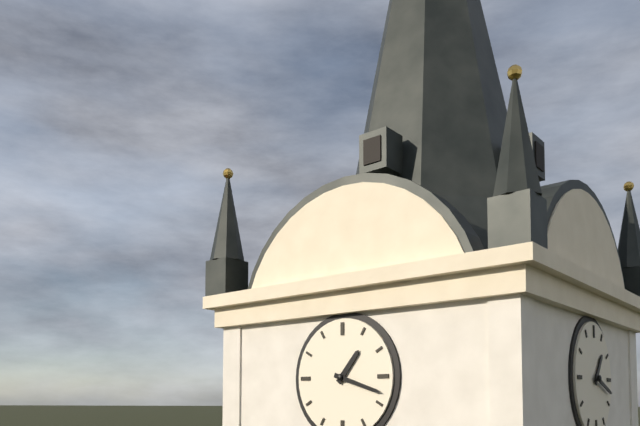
h=1 m=18
